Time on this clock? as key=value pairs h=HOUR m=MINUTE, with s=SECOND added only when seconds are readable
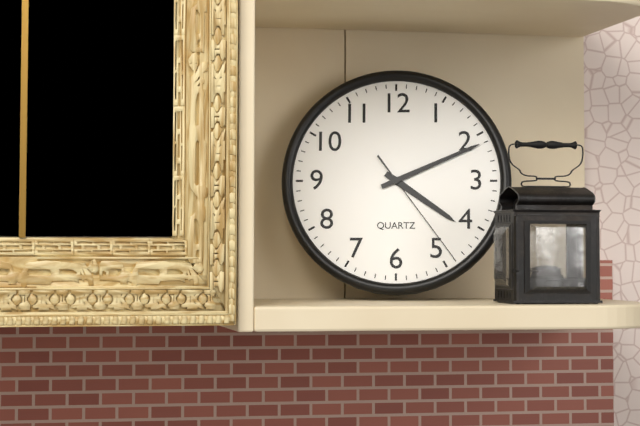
h=4 m=11 s=24
